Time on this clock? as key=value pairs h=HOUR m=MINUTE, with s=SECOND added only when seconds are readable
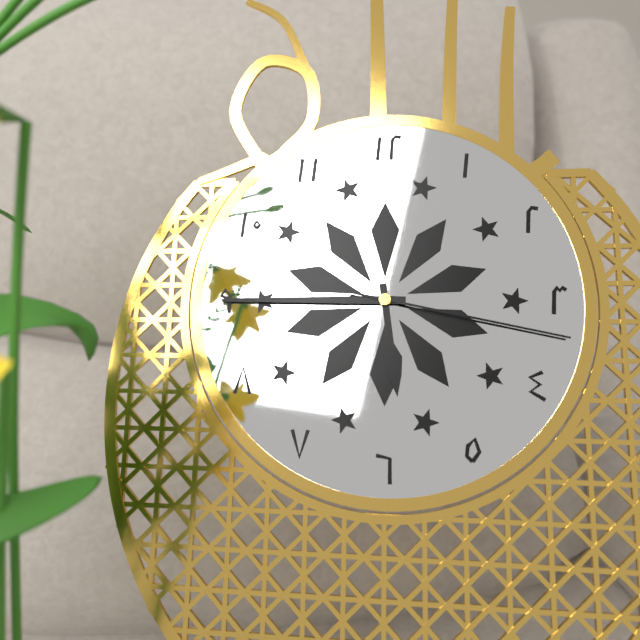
h=5 m=45 s=17
